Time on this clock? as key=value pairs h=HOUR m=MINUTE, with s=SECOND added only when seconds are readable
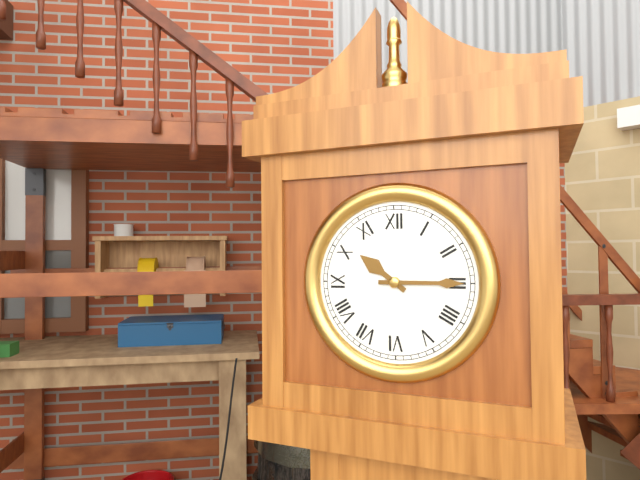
h=10 m=15
